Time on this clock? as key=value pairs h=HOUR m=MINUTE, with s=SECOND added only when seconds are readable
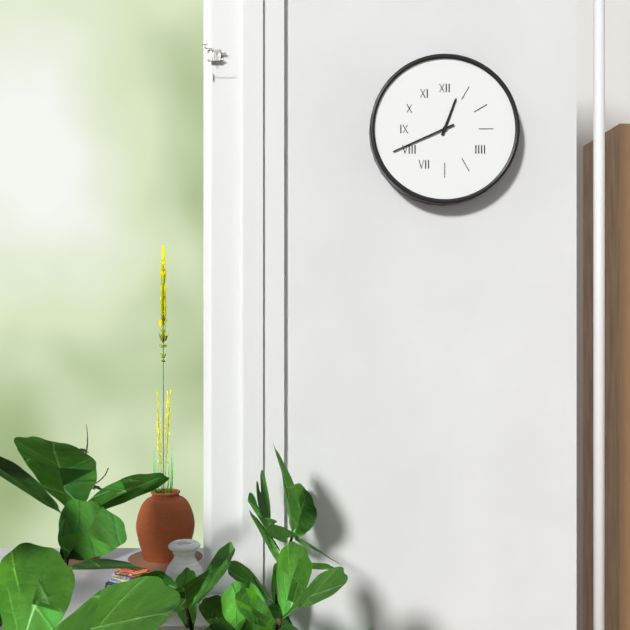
h=12 m=41
